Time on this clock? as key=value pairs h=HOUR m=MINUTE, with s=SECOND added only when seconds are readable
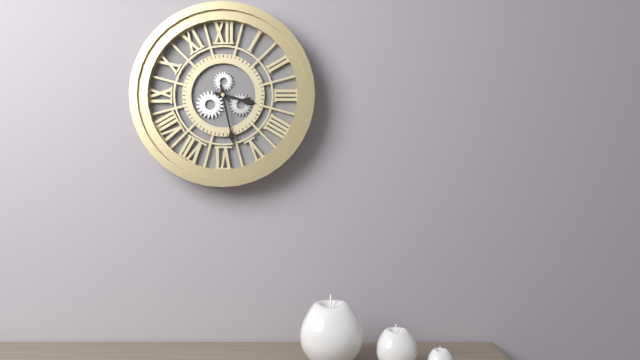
h=3 m=28
